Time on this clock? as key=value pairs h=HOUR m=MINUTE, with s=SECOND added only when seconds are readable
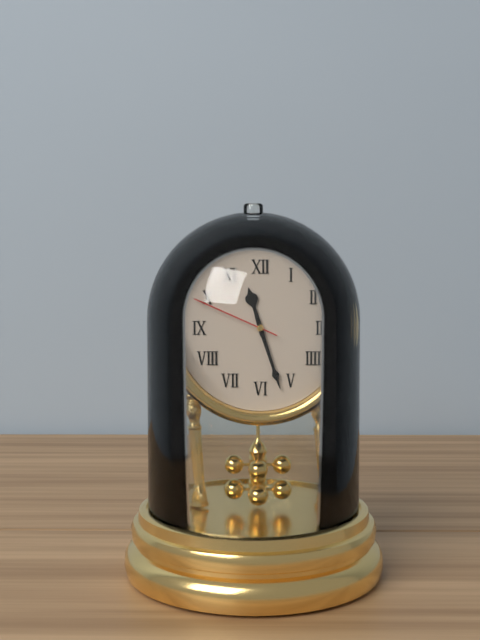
h=11 m=27 s=49
